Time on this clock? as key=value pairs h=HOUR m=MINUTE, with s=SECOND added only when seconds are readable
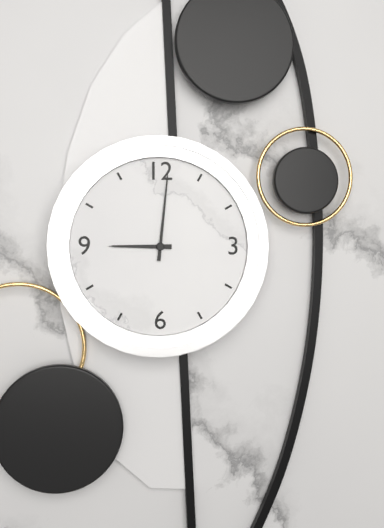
h=9 m=1
